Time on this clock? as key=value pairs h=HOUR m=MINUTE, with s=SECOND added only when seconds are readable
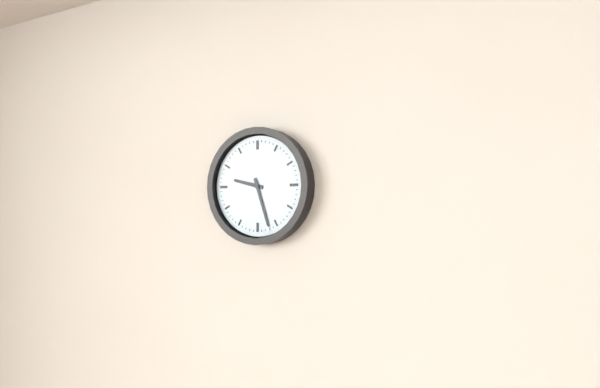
h=9 m=27
